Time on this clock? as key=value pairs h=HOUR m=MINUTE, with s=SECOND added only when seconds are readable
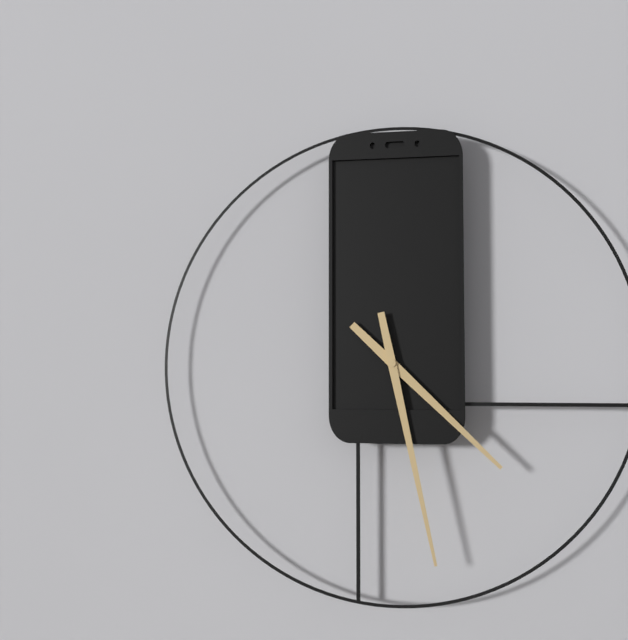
h=4 m=28
